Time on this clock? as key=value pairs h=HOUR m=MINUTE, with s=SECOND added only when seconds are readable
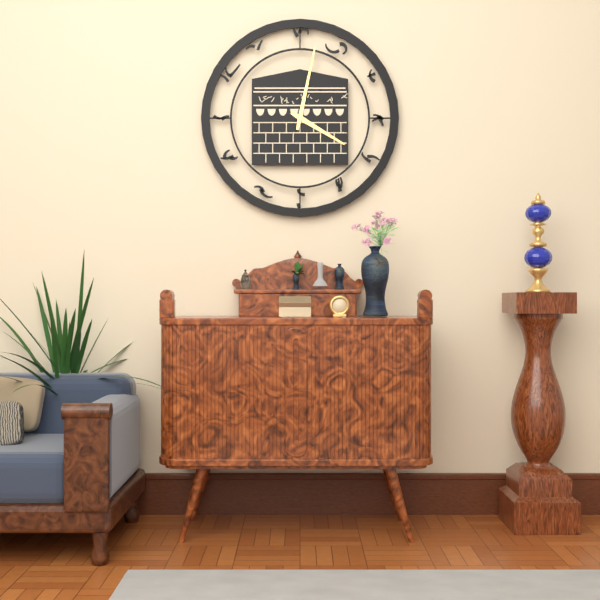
h=4 m=2
